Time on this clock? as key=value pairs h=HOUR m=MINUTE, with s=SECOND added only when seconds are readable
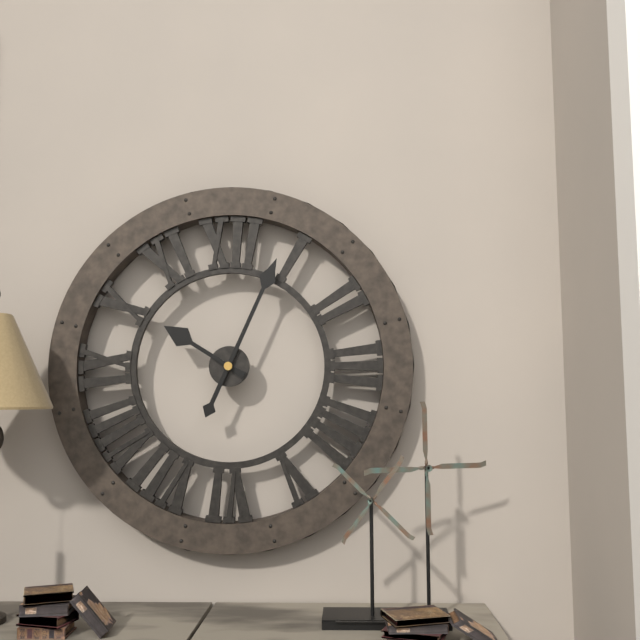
h=10 m=4
